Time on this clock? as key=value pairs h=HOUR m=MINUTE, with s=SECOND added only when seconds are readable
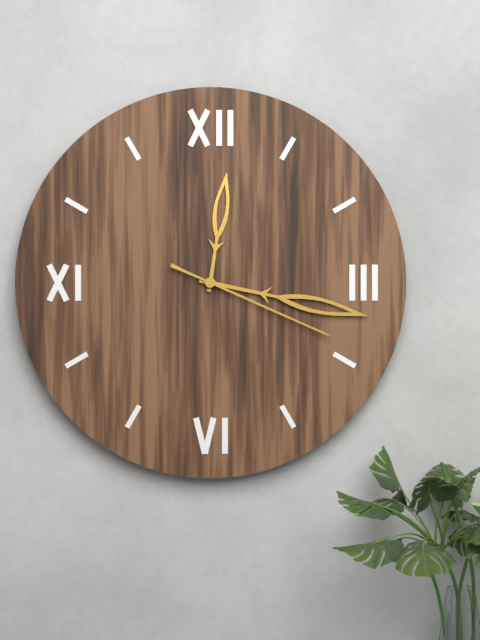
h=12 m=17 s=19
